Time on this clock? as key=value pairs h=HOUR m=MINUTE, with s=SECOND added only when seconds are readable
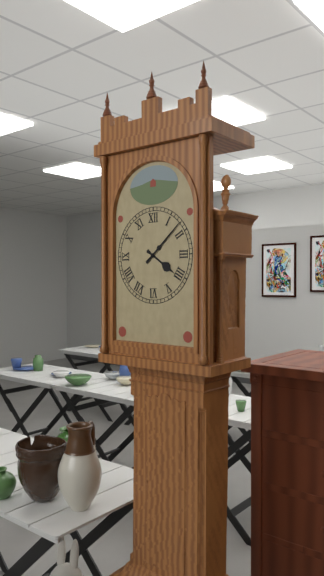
h=4 m=8
